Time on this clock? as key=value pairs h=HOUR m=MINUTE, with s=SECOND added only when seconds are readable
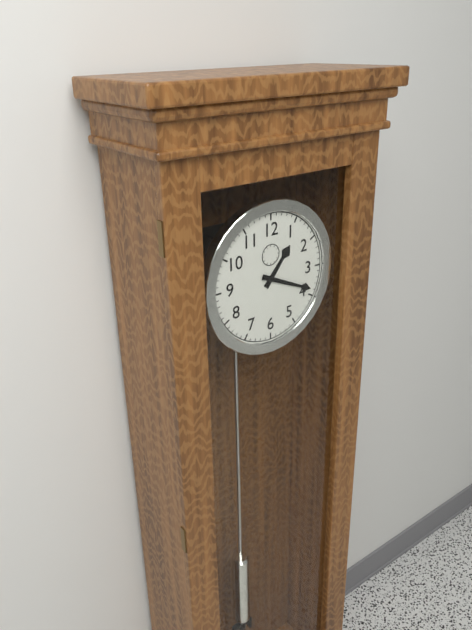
h=1 m=19
